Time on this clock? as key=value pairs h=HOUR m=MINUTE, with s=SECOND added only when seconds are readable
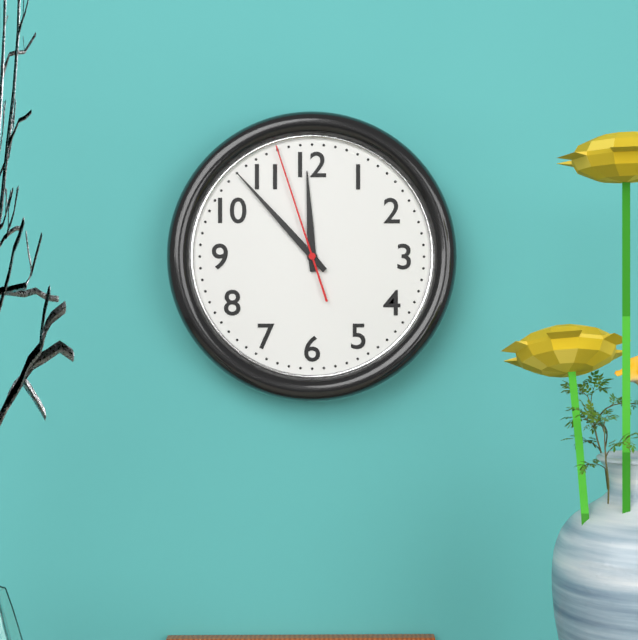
h=11 m=53 s=57
